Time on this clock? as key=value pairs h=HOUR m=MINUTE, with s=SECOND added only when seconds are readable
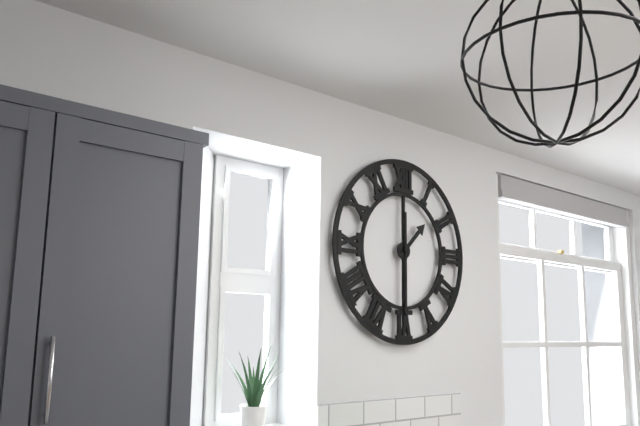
h=1 m=30
